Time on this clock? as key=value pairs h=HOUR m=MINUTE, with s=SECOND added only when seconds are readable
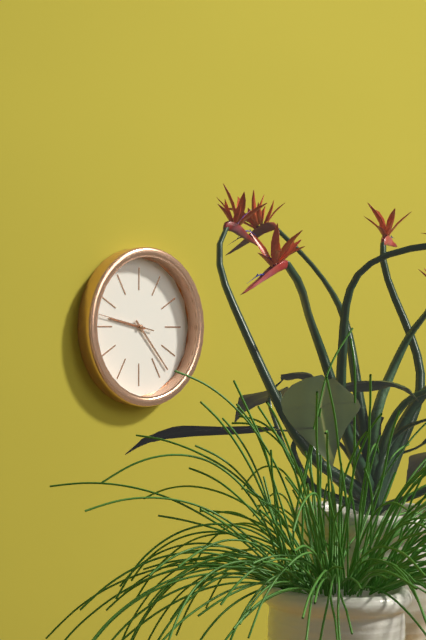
h=9 m=23 s=47
